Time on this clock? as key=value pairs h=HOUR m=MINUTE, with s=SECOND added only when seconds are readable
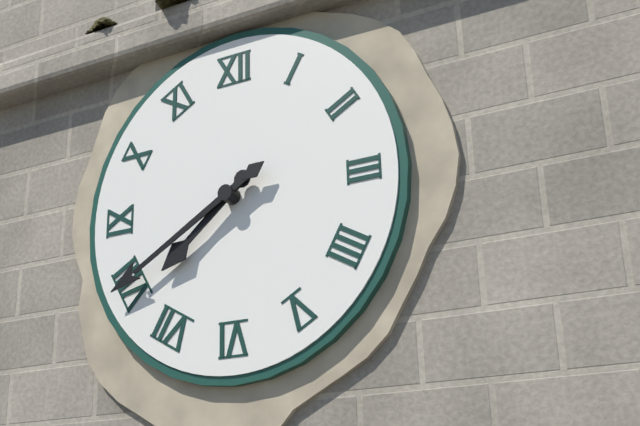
h=7 m=40
